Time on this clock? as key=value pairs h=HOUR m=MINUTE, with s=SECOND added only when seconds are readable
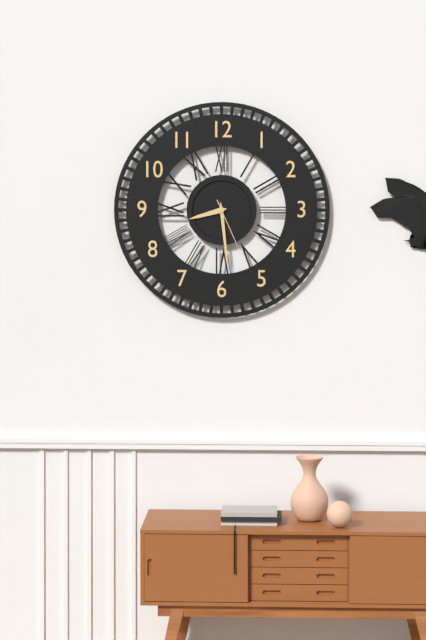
h=8 m=29 s=26
